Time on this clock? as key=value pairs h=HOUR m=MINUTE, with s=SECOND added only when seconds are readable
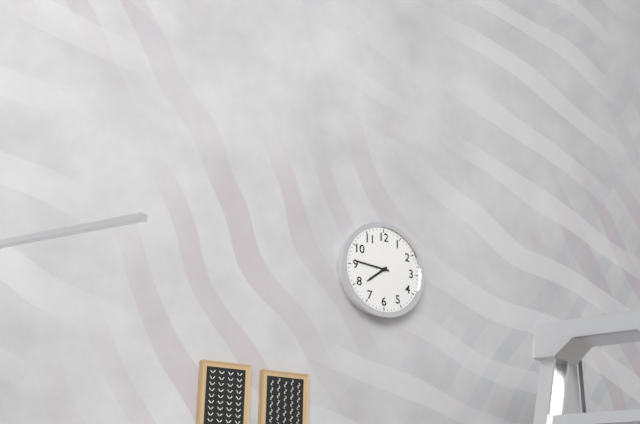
h=7 m=46
